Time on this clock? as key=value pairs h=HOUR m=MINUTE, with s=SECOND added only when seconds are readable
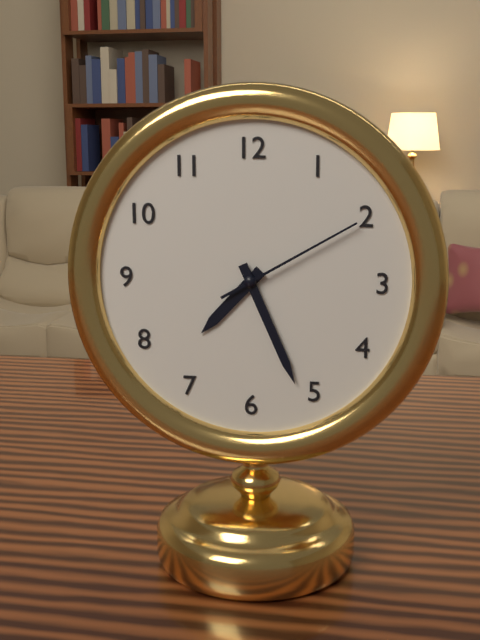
h=7 m=26 s=10
